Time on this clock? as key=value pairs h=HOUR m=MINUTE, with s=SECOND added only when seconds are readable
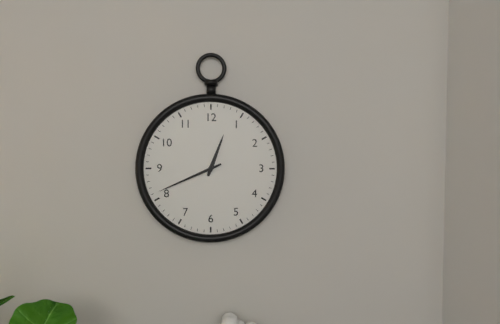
h=12 m=41
